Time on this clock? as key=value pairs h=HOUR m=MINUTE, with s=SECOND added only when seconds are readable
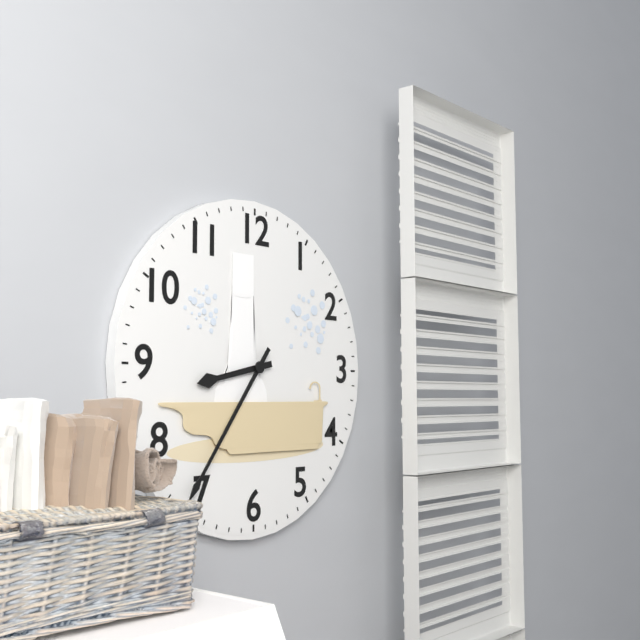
h=8 m=36
